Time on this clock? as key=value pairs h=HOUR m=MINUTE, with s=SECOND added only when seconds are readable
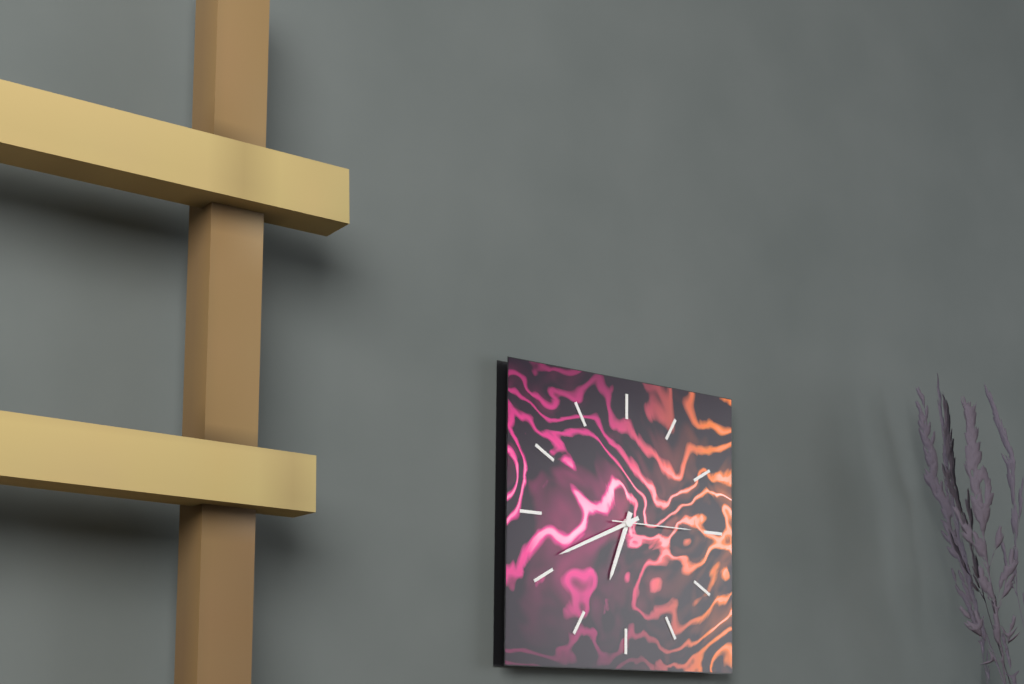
h=6 m=41 s=15
